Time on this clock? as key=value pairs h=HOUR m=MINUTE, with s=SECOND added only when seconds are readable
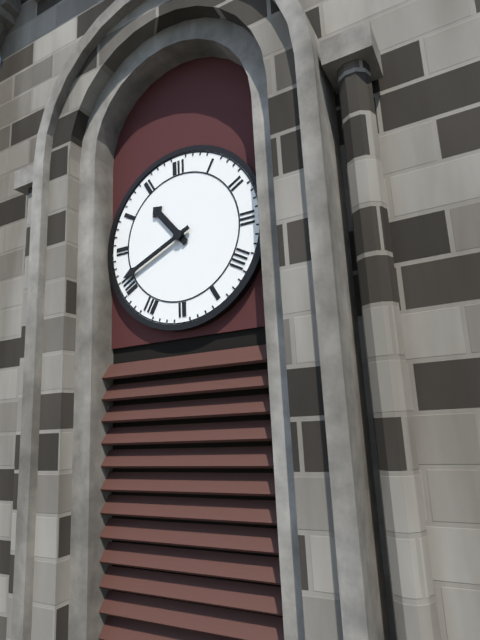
h=10 m=41
